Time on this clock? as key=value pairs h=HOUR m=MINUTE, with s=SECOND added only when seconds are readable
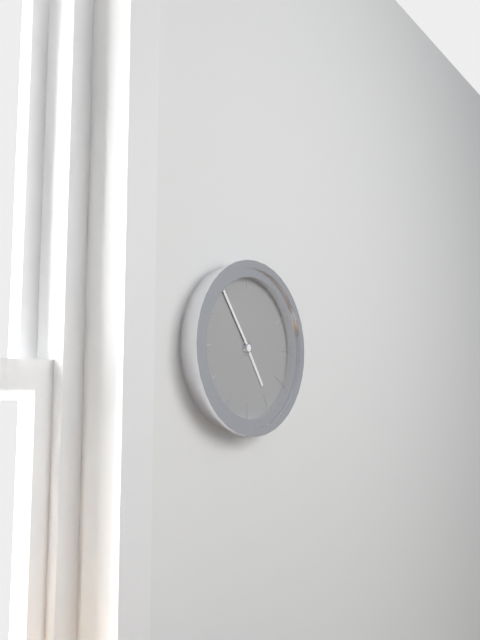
h=4 m=54
